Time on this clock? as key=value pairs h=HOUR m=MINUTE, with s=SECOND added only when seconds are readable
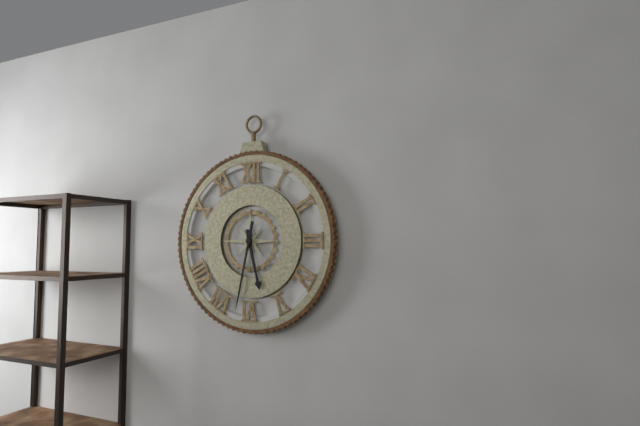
h=5 m=32
